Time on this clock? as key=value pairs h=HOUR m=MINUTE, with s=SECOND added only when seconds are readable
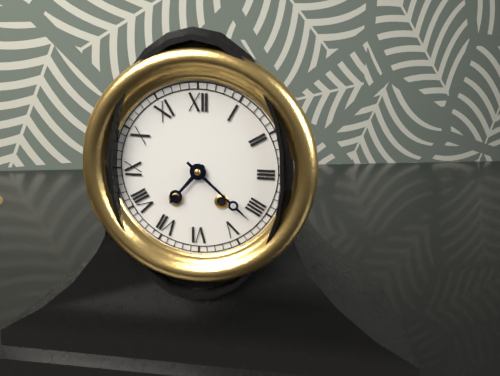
h=7 m=22
